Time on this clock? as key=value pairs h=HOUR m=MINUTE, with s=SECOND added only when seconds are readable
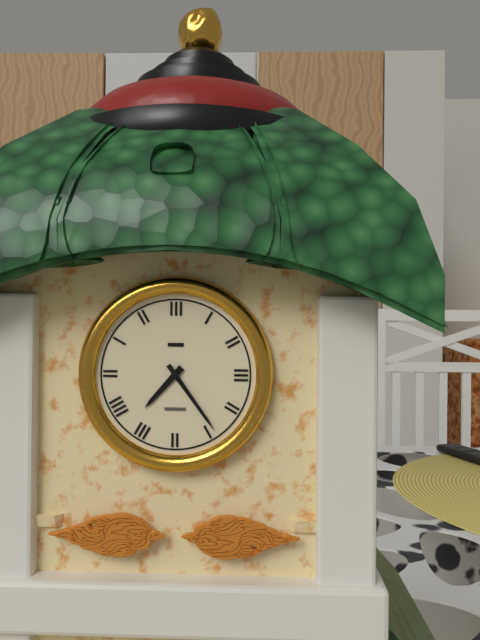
h=7 m=24
